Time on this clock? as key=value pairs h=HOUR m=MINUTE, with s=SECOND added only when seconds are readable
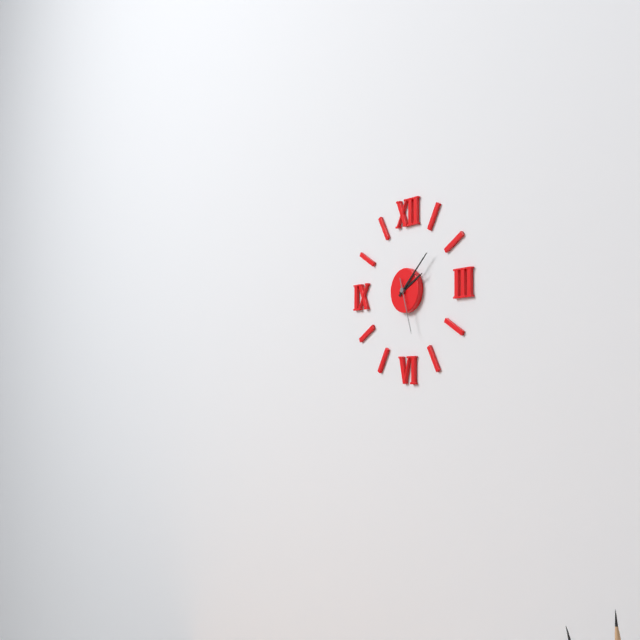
h=2 m=8 s=27
